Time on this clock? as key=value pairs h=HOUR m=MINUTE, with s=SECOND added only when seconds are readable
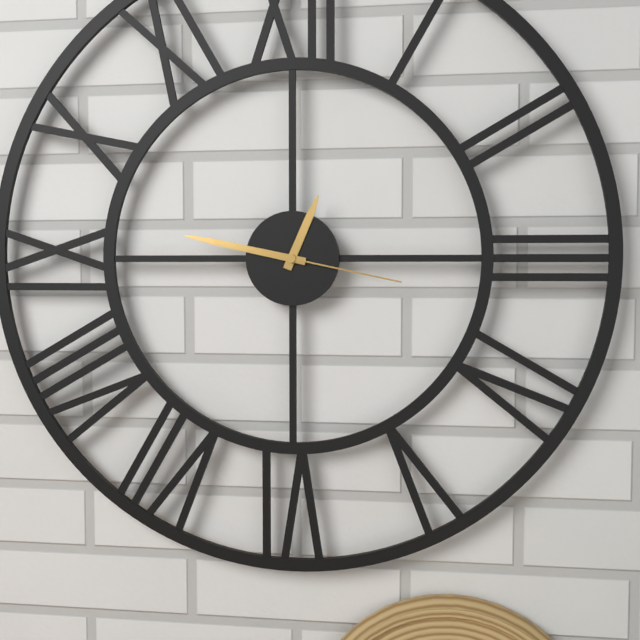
h=12 m=47 s=17
